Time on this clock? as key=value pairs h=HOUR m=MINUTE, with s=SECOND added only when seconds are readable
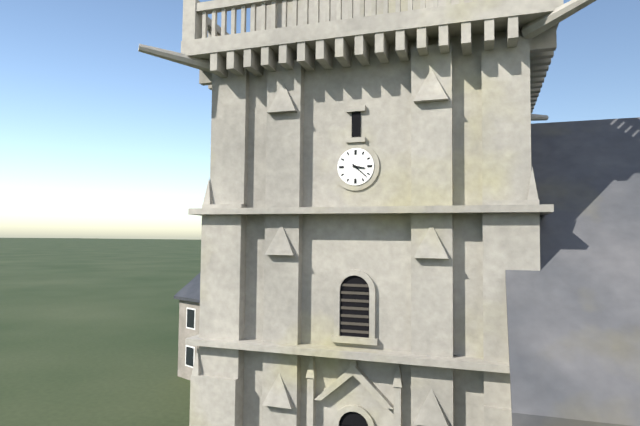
h=3 m=22
